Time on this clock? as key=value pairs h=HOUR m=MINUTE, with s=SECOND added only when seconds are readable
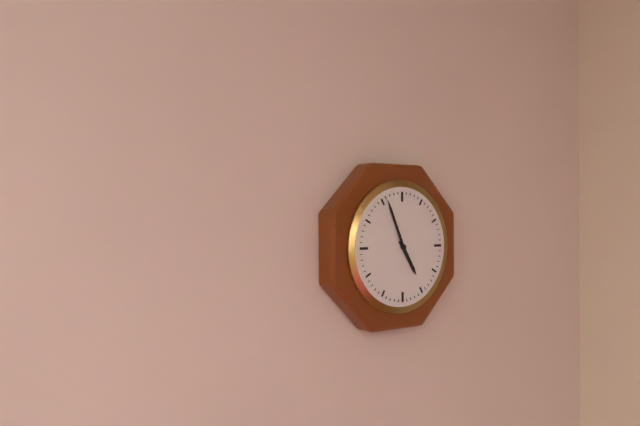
h=4 m=56
